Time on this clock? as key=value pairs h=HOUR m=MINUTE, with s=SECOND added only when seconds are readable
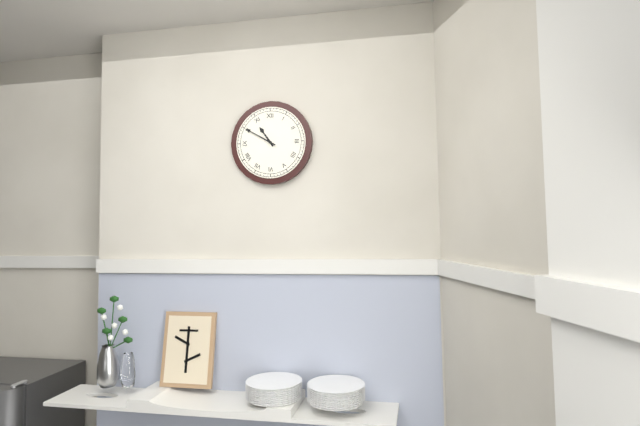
h=10 m=50
